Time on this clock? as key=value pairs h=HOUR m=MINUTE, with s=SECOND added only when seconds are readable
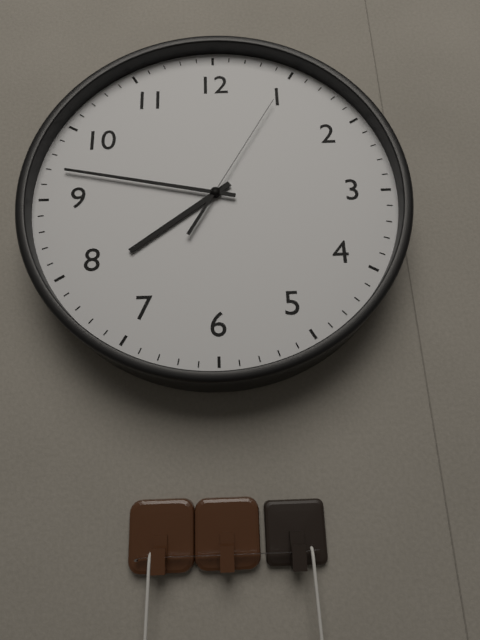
h=7 m=47 s=5
